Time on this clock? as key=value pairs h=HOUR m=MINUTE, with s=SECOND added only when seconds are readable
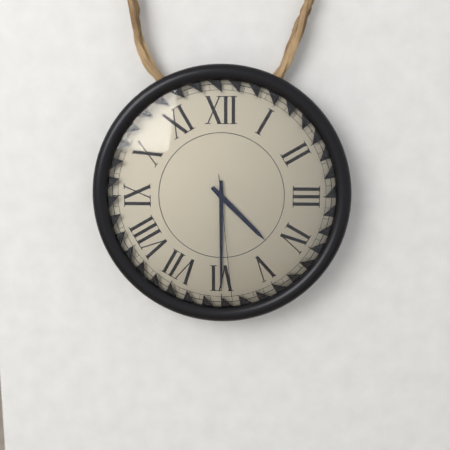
h=4 m=30 s=29
